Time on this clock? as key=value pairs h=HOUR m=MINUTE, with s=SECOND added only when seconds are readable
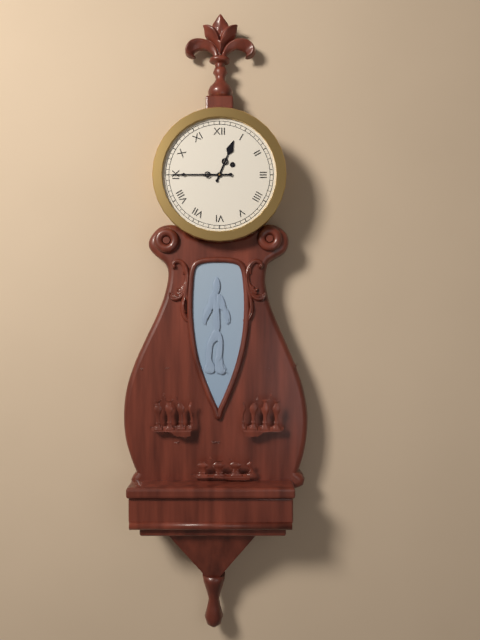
h=12 m=45
